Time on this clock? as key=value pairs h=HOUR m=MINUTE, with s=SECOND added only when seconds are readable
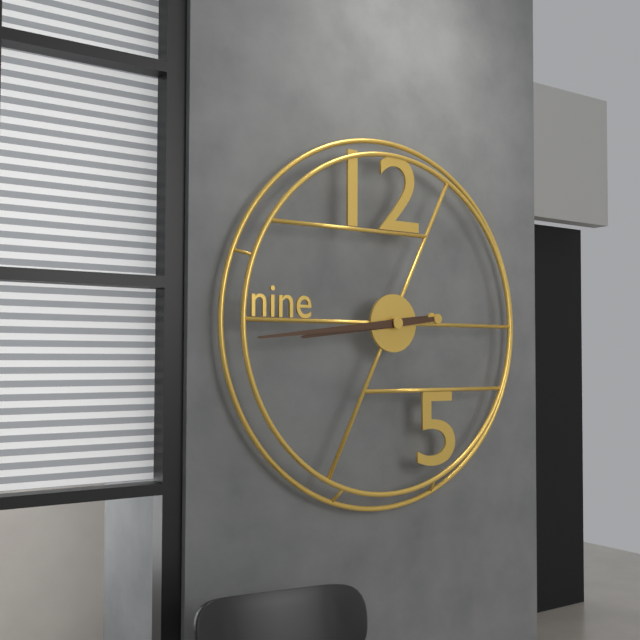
h=8 m=44
